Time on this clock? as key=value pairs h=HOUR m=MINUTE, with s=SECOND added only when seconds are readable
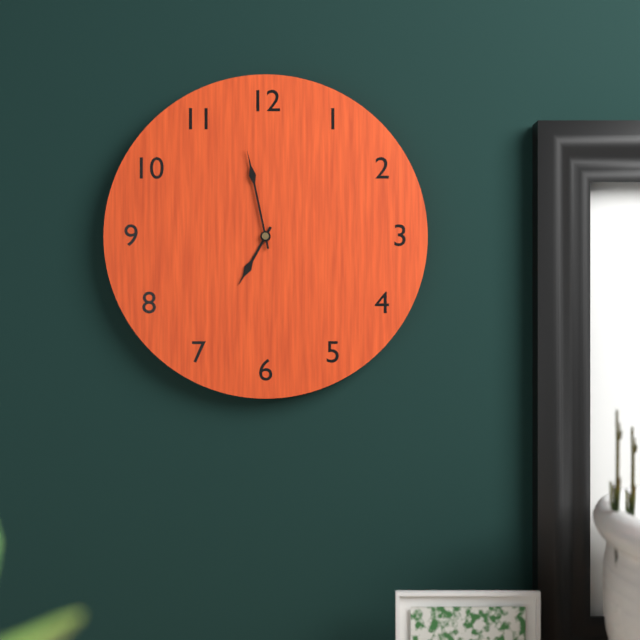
h=6 m=58
